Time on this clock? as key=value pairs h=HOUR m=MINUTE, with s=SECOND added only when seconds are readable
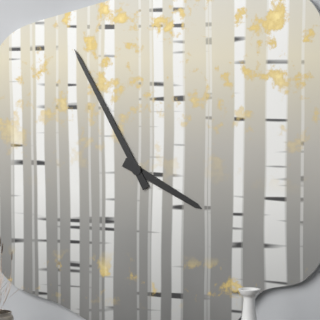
h=3 m=55
